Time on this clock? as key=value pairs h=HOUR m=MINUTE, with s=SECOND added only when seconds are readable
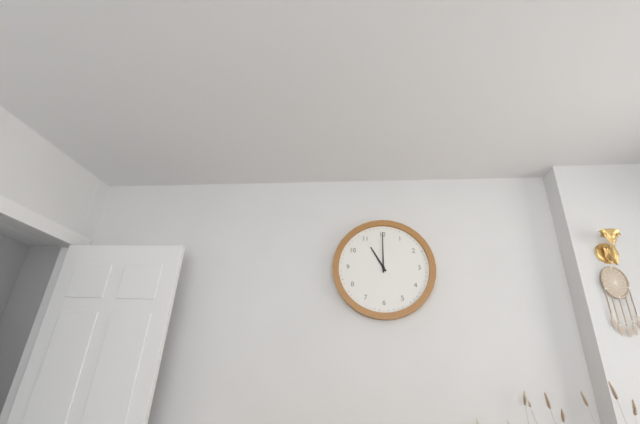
h=11 m=0
